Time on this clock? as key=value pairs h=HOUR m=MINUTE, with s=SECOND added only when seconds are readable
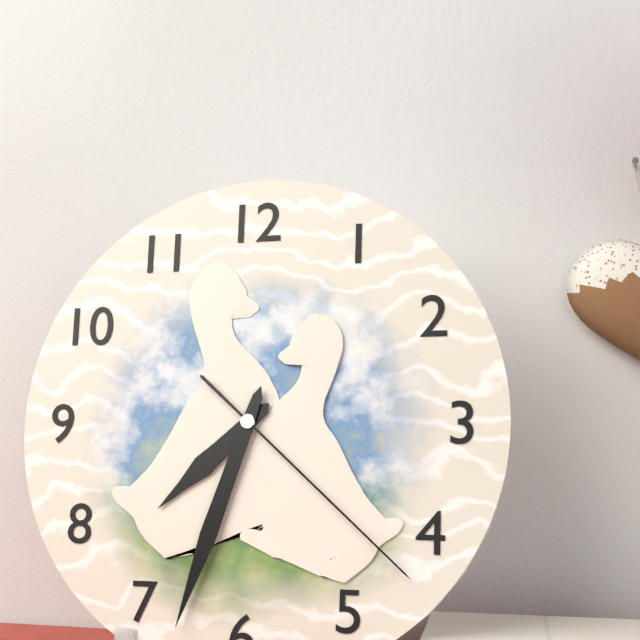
h=7 m=33 s=22
